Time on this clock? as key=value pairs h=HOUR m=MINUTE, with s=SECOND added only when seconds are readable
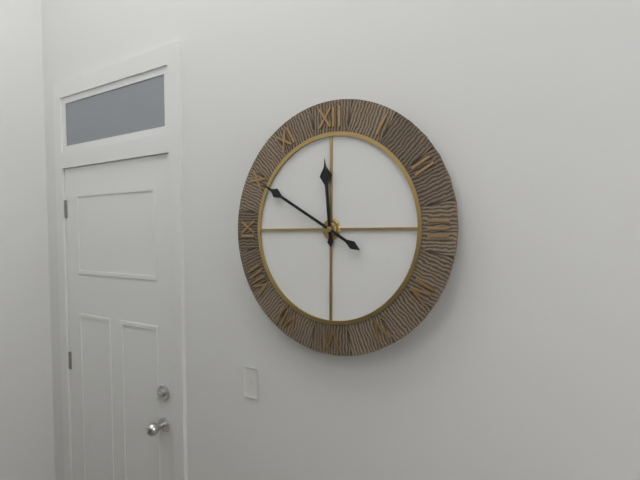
h=11 m=50
